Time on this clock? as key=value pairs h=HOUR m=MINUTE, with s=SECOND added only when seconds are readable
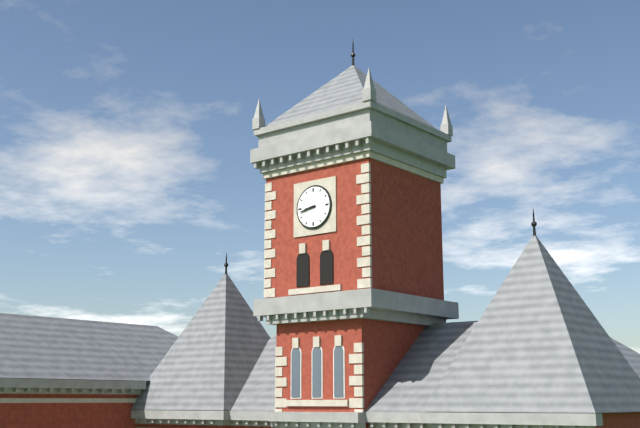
h=8 m=43
